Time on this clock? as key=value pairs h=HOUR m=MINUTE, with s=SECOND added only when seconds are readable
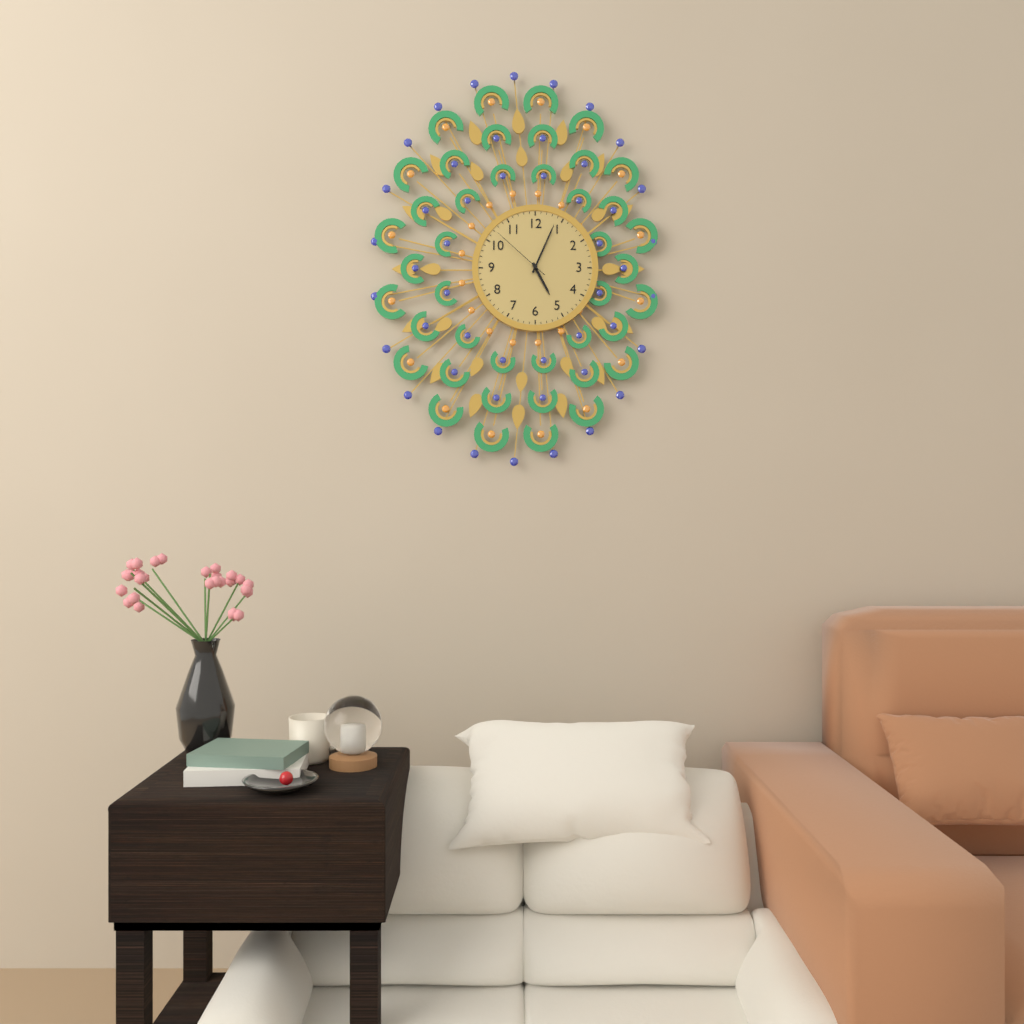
h=5 m=4 s=52
